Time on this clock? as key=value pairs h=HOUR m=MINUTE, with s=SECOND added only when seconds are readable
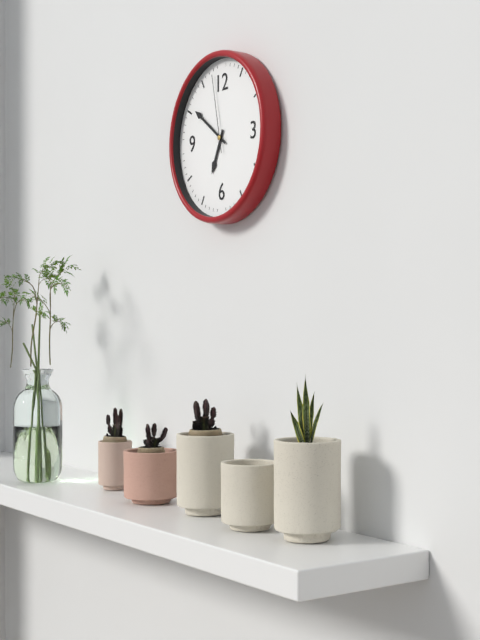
h=6 m=51 s=58
